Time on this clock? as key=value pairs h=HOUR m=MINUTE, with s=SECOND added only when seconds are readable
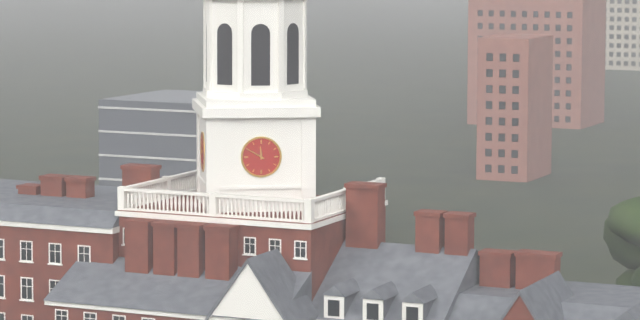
h=11 m=50
